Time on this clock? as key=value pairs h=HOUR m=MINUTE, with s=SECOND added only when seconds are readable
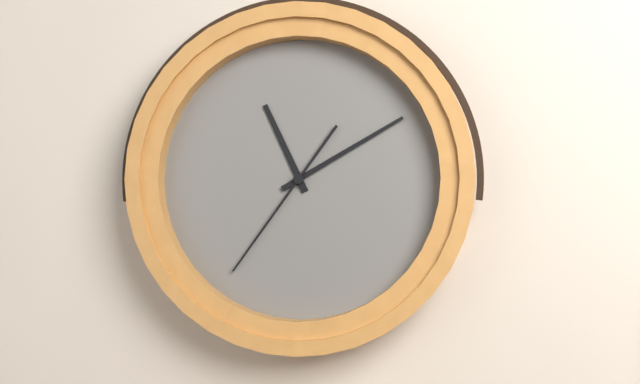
h=11 m=10 s=36
